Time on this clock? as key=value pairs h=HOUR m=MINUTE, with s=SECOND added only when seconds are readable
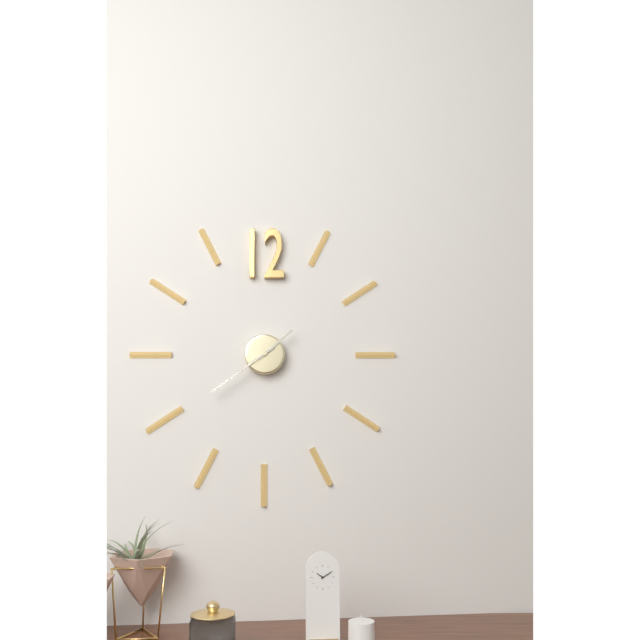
h=1 m=39
